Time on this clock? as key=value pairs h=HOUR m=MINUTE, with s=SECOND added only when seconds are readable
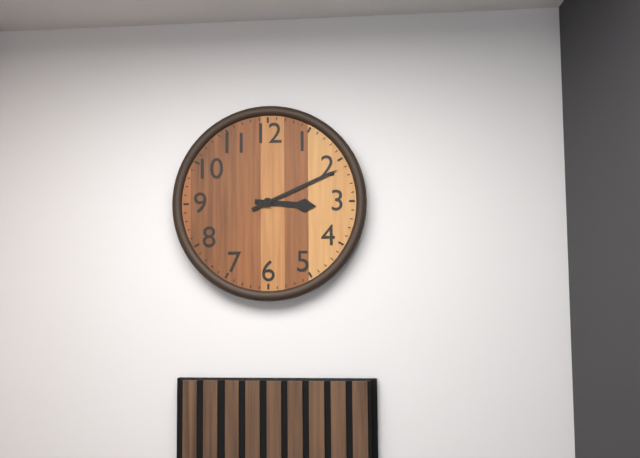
h=3 m=11
